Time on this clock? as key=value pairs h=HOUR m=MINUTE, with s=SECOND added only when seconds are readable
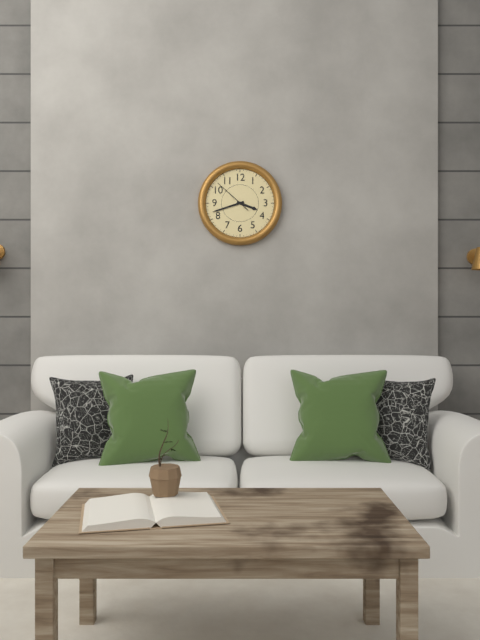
h=3 m=42
